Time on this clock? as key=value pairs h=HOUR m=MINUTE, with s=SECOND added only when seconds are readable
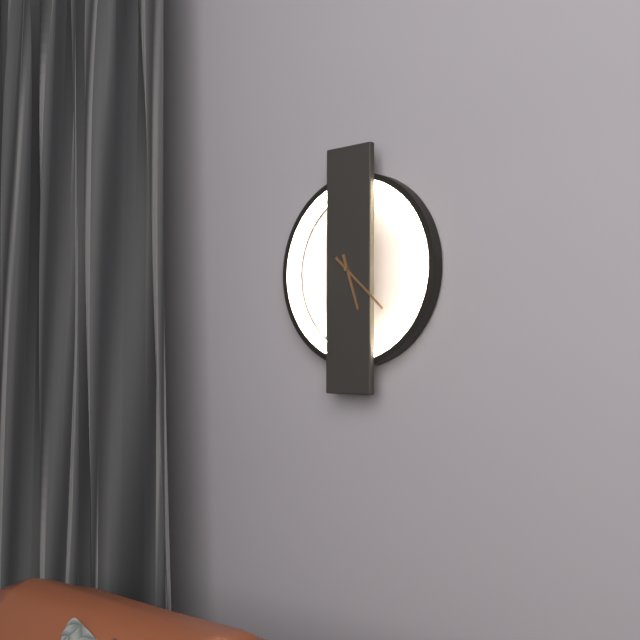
h=5 m=22
